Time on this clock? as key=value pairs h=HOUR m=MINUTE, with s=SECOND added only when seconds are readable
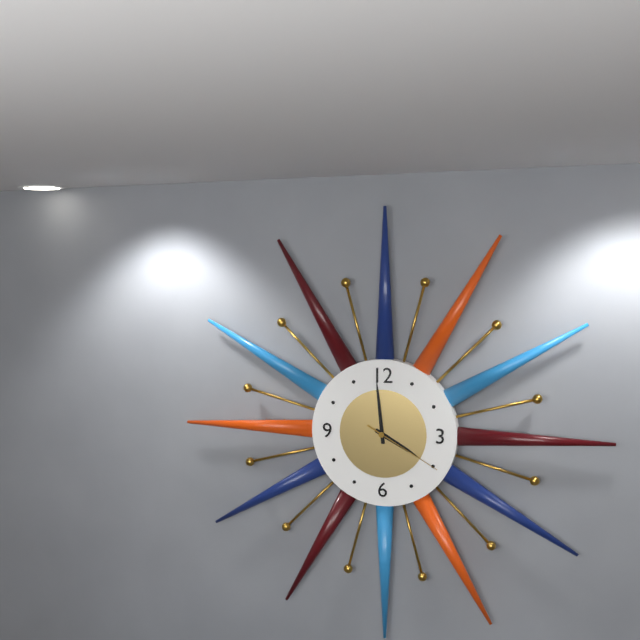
h=3 m=59 s=20
